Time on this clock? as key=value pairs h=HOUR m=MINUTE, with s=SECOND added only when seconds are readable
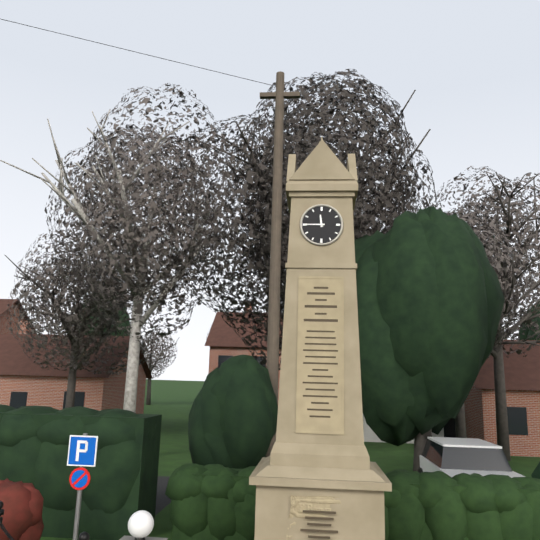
h=11 m=45
